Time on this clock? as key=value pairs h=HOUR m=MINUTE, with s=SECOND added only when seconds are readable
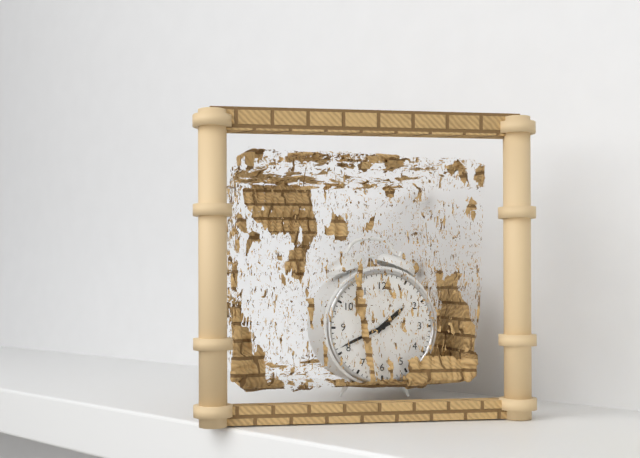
h=1 m=41
